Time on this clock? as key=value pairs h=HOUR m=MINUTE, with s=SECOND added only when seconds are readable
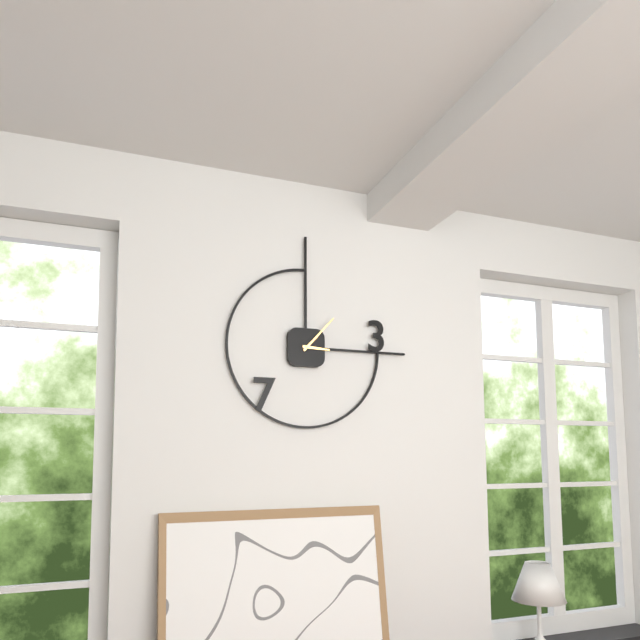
h=3 m=7
